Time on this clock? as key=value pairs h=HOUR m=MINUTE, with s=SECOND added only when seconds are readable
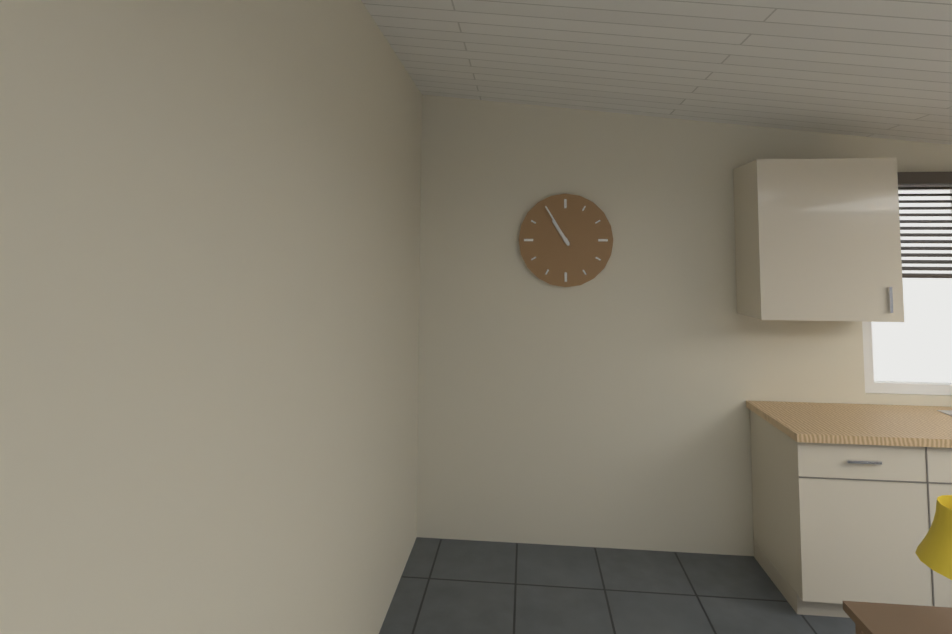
h=10 m=55
